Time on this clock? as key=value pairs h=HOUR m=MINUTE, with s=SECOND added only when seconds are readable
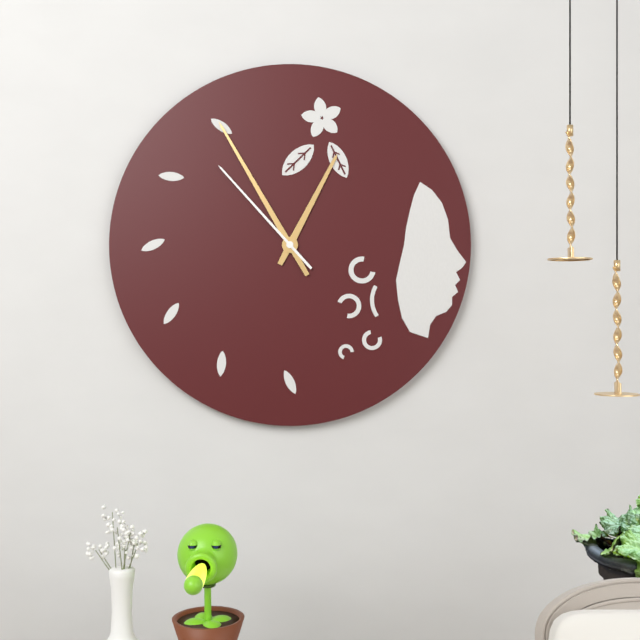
h=12 m=55 s=53
